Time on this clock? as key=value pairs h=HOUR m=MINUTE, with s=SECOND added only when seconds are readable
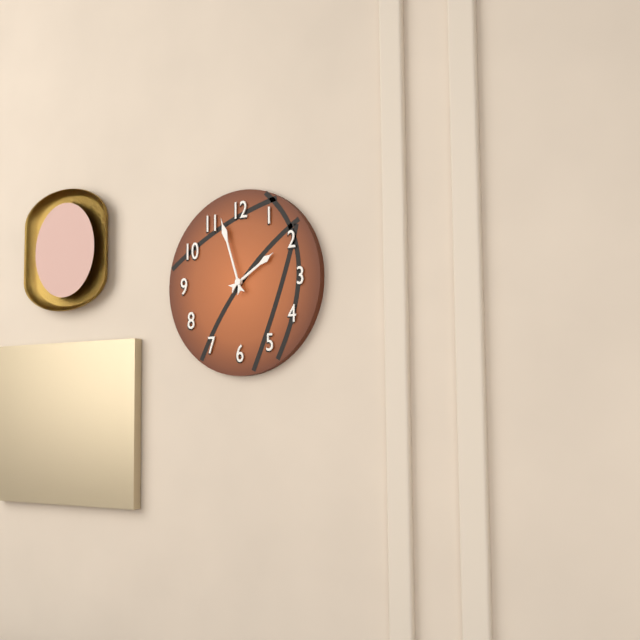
h=1 m=57
